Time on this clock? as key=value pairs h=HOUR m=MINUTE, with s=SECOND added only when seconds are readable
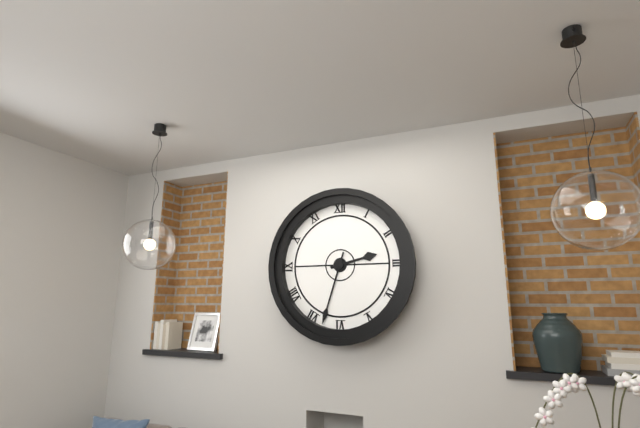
h=2 m=33
